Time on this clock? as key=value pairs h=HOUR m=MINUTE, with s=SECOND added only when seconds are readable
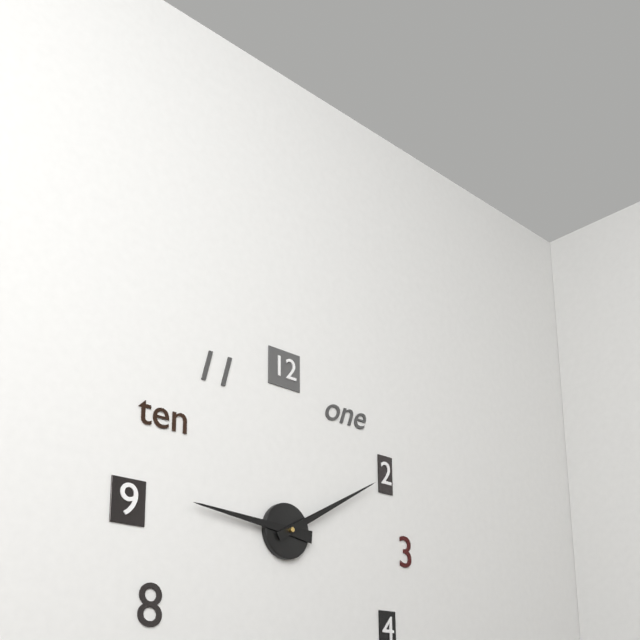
h=9 m=10
